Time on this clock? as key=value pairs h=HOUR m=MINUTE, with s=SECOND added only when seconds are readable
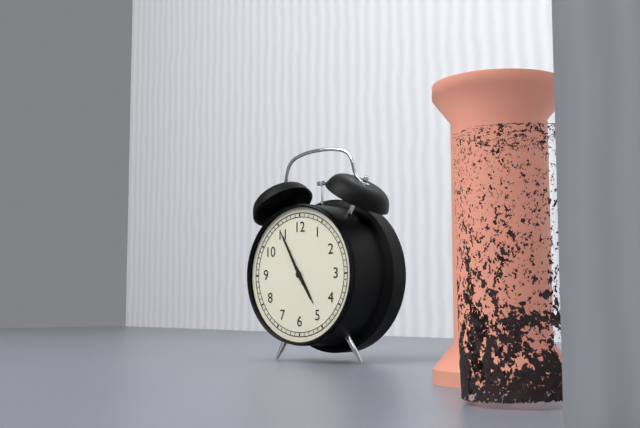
h=4 m=55
